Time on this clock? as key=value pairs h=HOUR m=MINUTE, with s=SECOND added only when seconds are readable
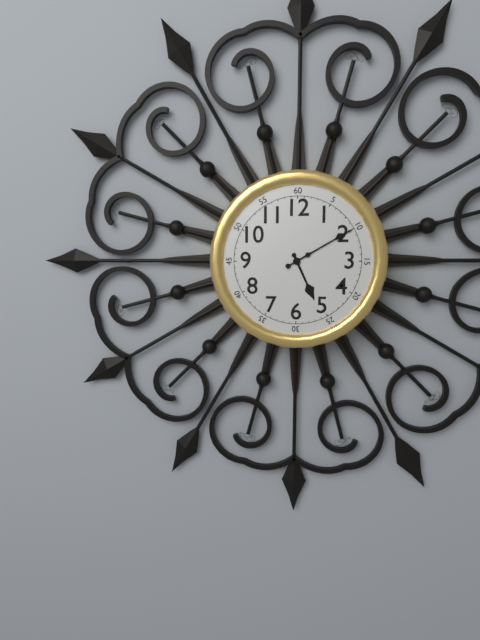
h=5 m=10
